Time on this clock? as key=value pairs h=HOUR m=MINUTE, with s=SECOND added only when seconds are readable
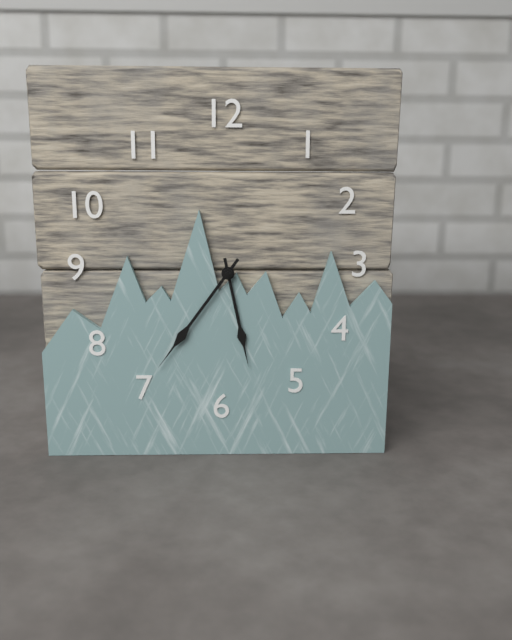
h=5 m=36
